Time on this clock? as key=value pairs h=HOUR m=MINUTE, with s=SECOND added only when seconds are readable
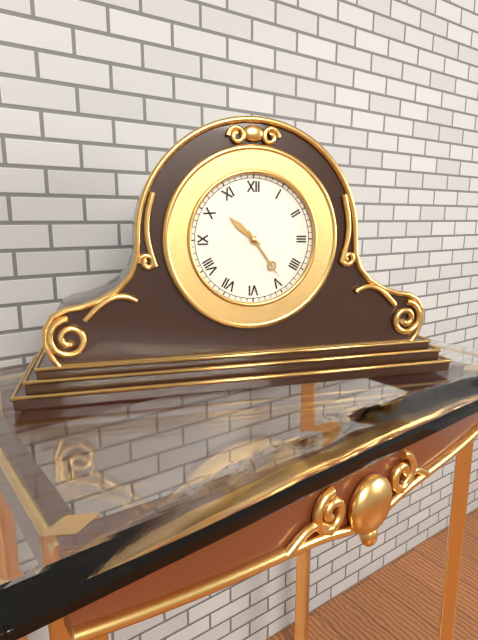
h=10 m=24
